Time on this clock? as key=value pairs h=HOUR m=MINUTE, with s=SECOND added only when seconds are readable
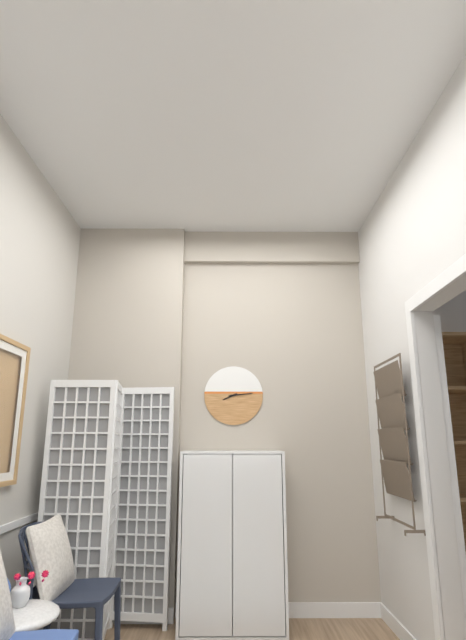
h=8 m=14
